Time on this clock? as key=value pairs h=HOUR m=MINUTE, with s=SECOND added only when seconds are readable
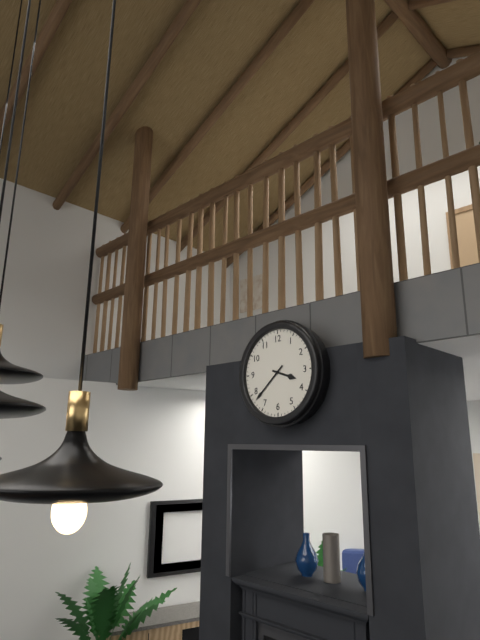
h=3 m=38
